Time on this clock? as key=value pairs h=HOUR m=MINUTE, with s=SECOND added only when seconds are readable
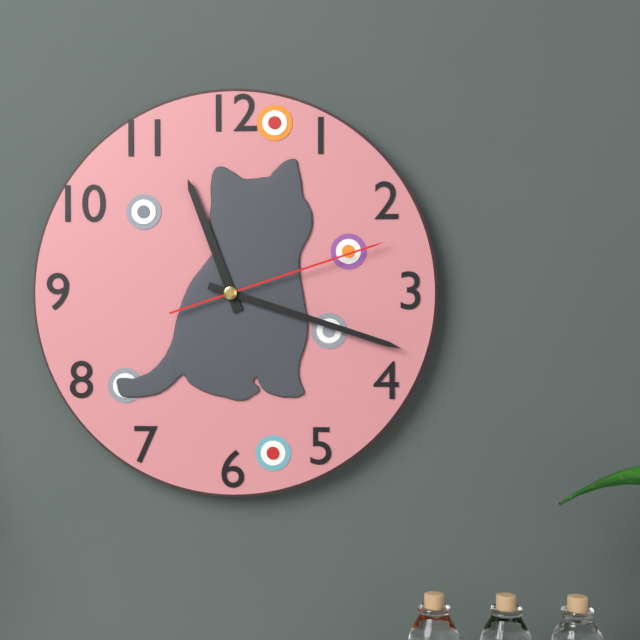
h=11 m=18 s=12
